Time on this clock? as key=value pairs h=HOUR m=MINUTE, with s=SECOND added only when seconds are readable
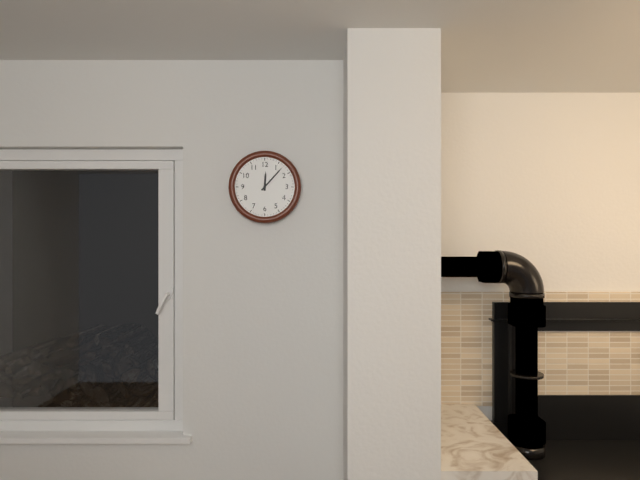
h=12 m=7
